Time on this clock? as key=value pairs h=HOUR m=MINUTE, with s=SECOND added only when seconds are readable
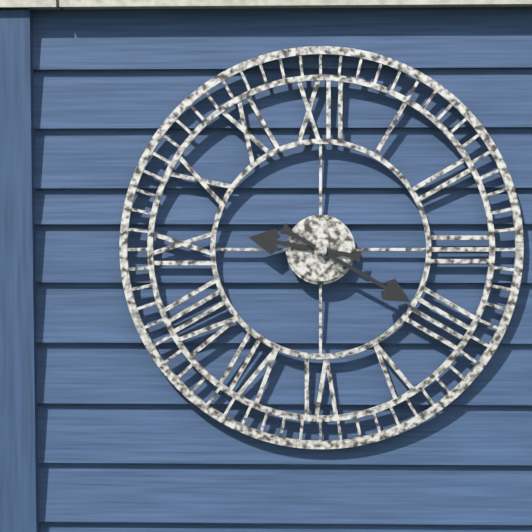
h=9 m=20
